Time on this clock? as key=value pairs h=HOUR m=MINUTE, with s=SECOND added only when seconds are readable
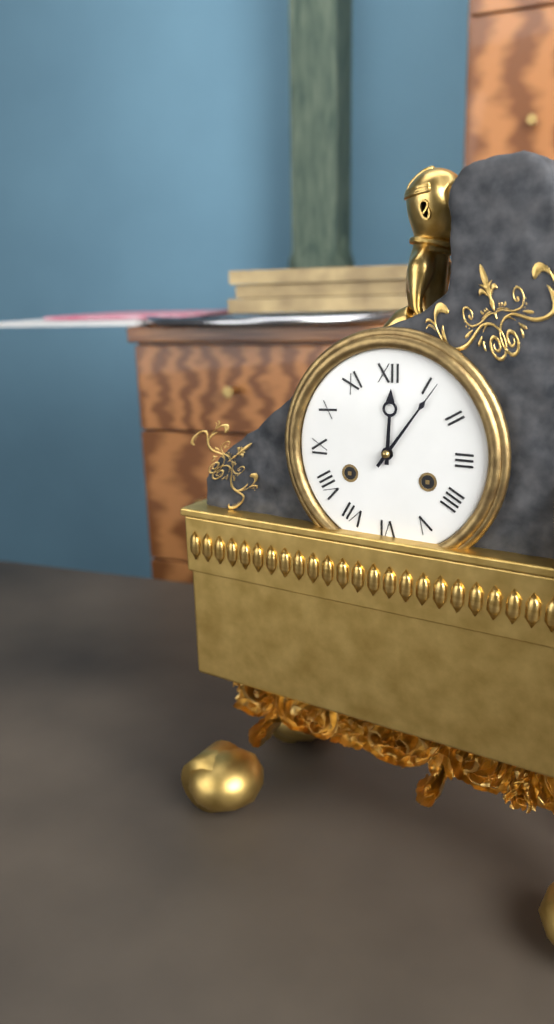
h=12 m=6
